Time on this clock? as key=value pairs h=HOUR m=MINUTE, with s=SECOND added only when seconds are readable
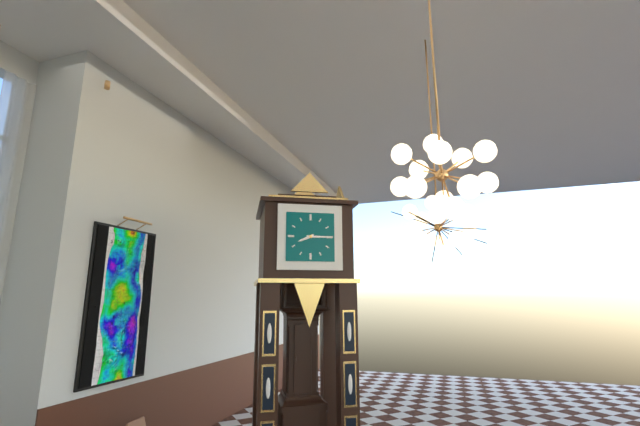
h=8 m=15
